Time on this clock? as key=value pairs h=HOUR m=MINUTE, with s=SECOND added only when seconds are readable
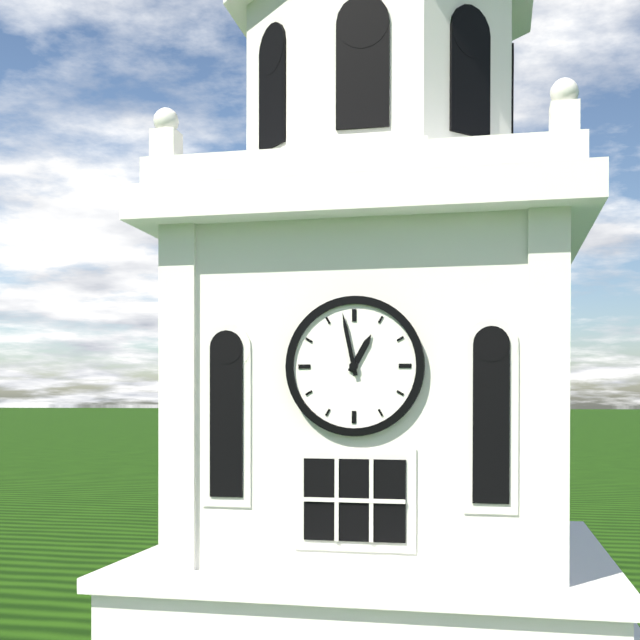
h=12 m=58
